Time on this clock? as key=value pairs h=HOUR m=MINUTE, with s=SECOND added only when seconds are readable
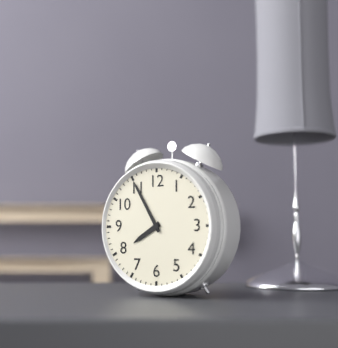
h=7 m=55
